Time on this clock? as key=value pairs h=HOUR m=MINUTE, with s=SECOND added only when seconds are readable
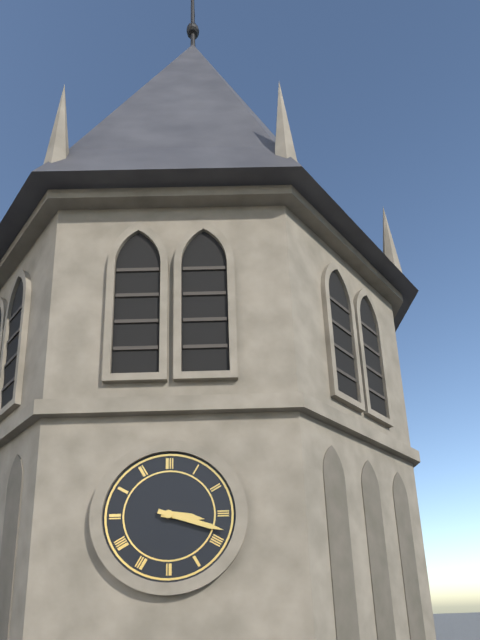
h=3 m=18
